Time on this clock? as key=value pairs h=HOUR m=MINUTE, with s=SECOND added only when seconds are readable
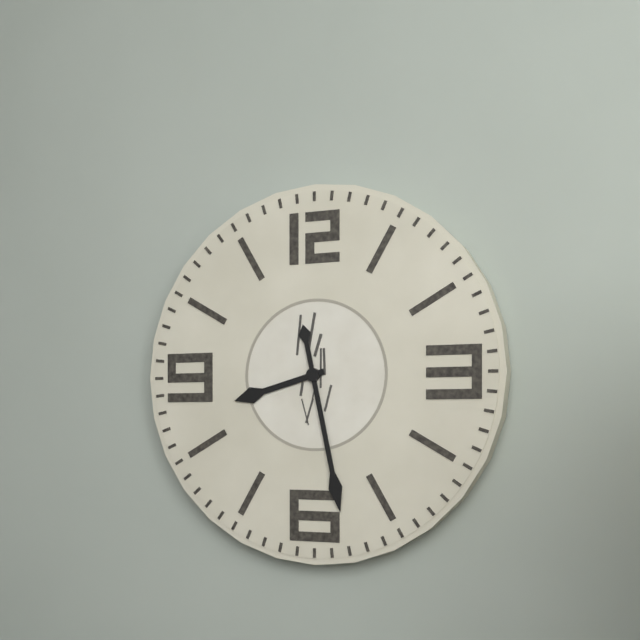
h=8 m=28
